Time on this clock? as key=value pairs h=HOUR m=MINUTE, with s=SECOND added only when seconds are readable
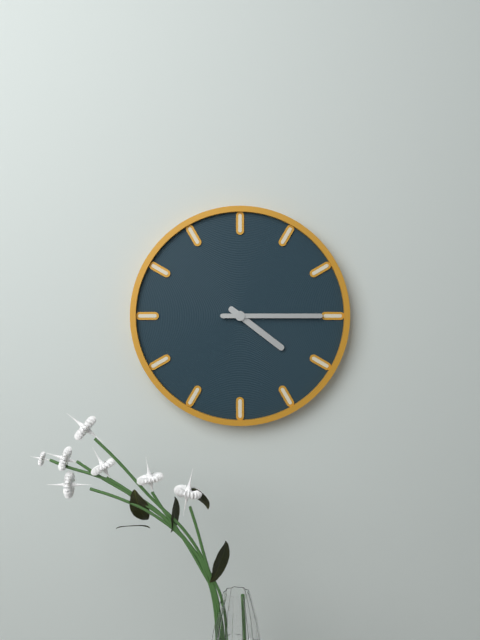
h=4 m=15
